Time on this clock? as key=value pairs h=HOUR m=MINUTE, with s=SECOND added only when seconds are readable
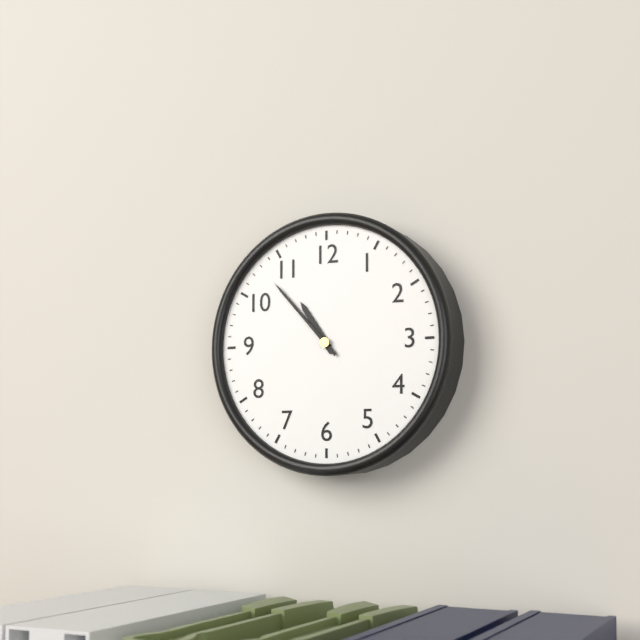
h=10 m=53
